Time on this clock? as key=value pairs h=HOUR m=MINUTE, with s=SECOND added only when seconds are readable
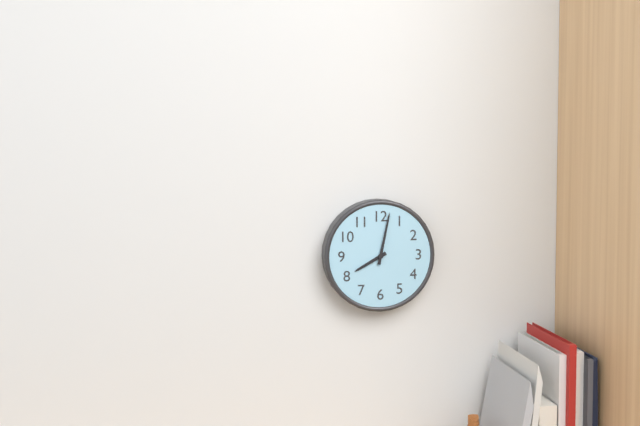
h=8 m=2
